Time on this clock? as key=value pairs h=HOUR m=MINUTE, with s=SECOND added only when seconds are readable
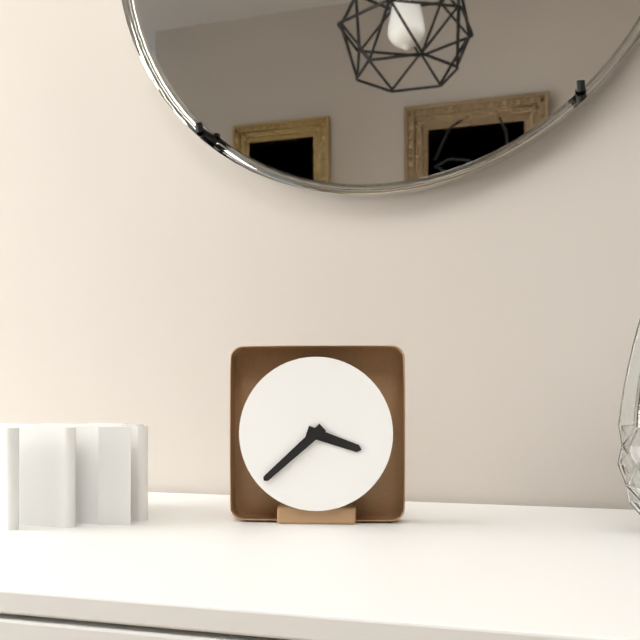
h=3 m=38
